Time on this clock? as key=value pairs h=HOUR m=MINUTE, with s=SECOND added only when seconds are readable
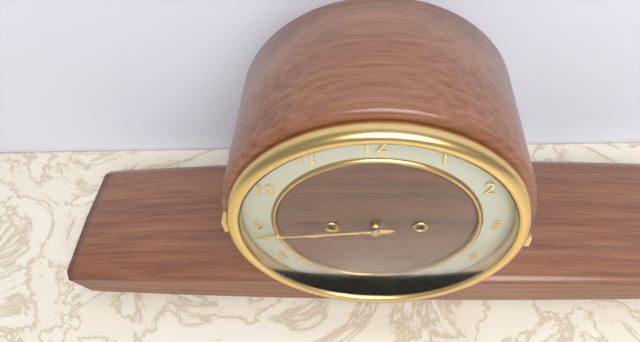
h=8 m=44
